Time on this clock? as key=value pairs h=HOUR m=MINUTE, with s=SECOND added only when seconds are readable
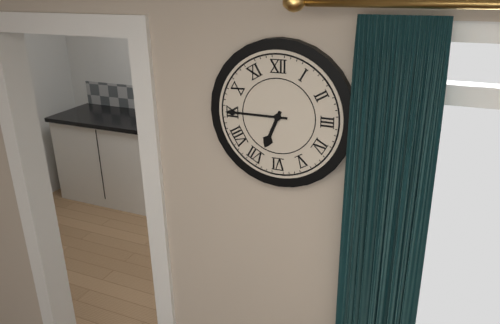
h=6 m=45
